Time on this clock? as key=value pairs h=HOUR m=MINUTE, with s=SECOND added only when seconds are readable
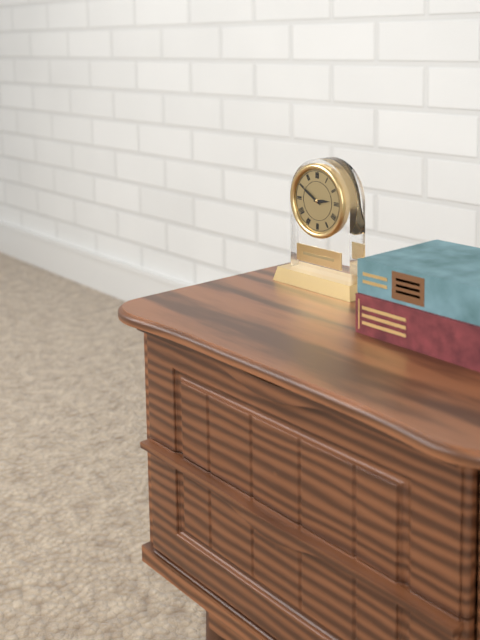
h=2 m=50
